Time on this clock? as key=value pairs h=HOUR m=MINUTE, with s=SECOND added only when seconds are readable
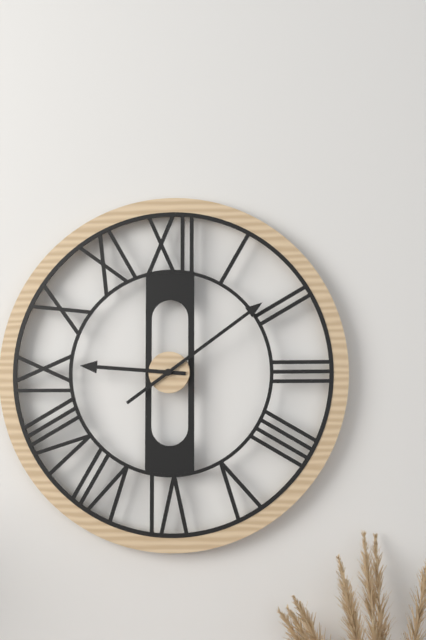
h=9 m=9
